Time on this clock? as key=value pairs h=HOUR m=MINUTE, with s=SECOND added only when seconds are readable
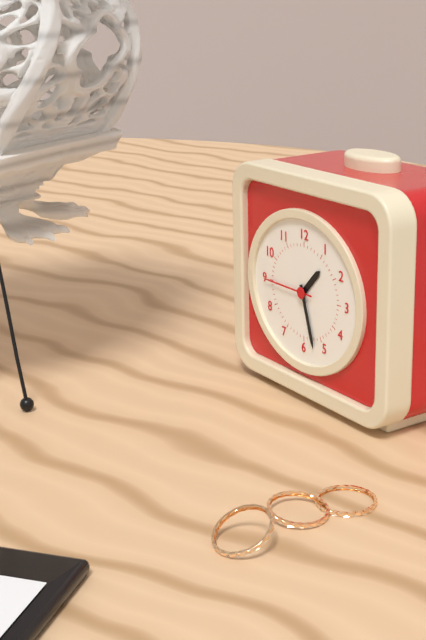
h=1 m=27 s=45
